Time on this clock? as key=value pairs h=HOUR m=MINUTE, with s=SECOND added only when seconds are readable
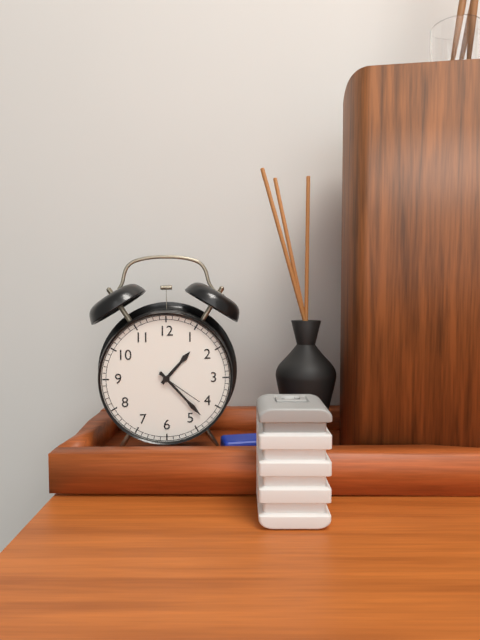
h=1 m=23 s=21
